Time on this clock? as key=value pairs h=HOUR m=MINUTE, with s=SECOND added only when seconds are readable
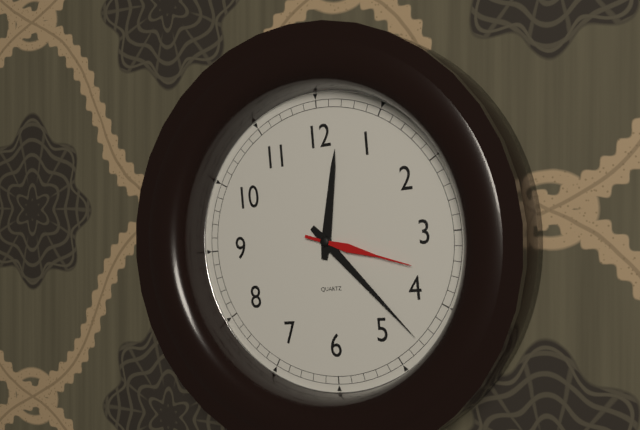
h=12 m=23 s=18
